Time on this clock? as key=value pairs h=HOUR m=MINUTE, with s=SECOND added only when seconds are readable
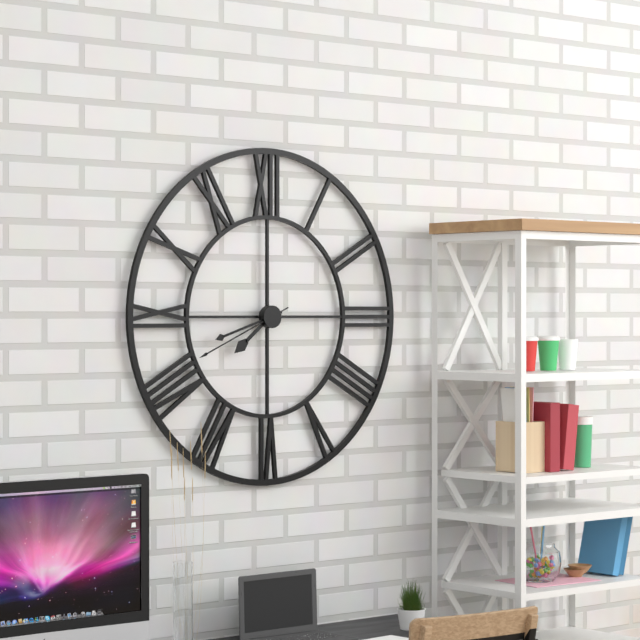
h=7 m=42 s=41
